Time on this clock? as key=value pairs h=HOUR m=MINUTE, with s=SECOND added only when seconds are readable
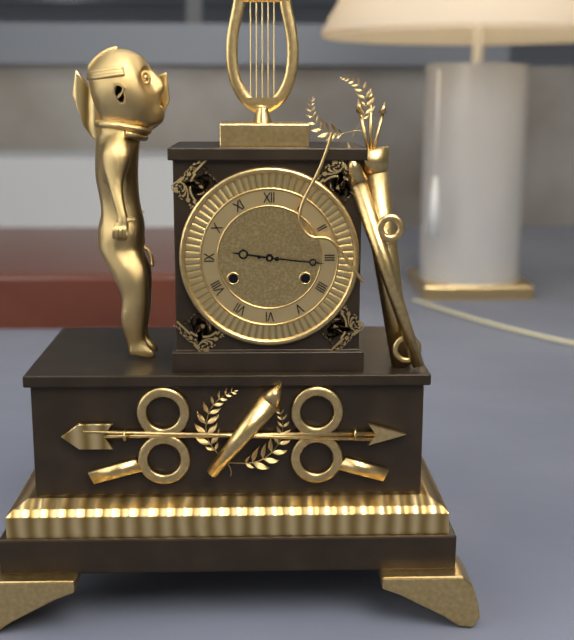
h=9 m=16
